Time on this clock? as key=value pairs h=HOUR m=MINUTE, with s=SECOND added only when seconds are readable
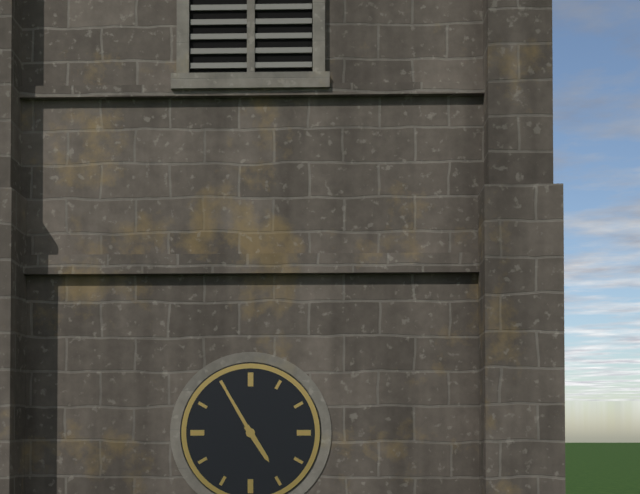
h=4 m=55
